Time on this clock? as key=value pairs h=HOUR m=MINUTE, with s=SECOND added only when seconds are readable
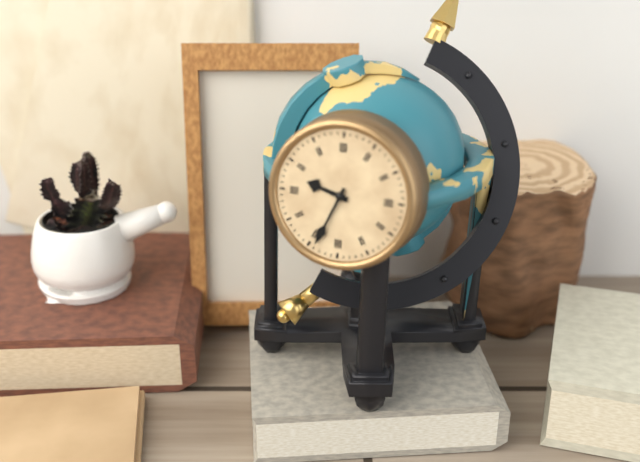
h=9 m=34
